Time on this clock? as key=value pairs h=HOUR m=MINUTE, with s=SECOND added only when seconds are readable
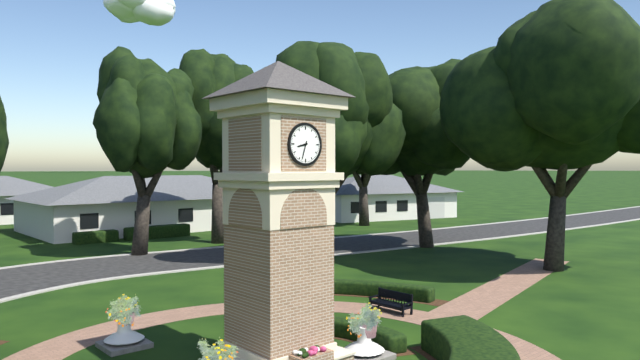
h=8 m=33
